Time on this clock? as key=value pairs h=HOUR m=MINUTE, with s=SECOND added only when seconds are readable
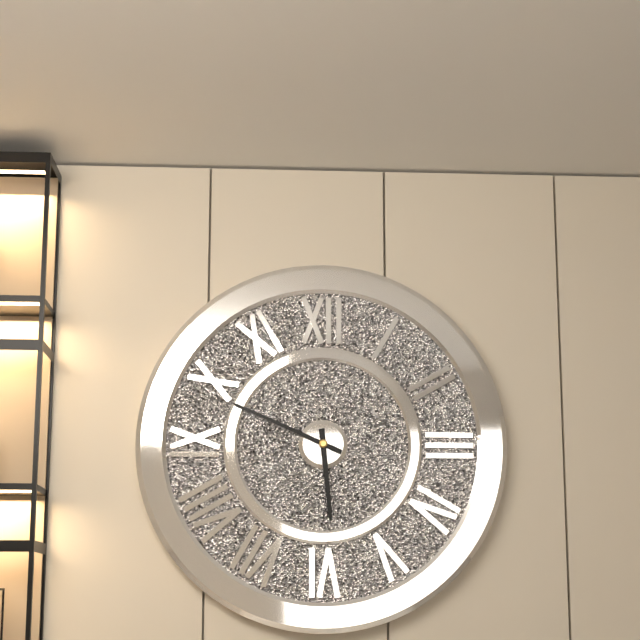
h=5 m=49
